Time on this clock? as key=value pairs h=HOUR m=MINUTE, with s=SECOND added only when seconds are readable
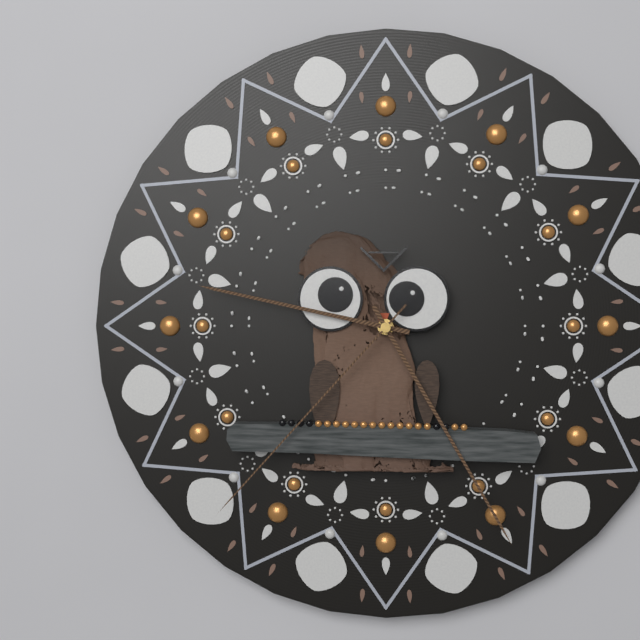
h=9 m=25 s=37
